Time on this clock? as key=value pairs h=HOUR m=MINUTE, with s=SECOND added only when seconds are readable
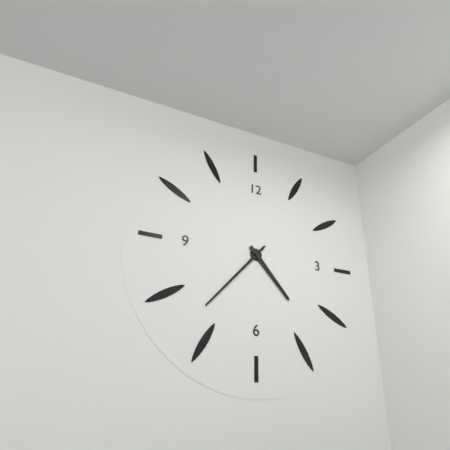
h=4 m=37
